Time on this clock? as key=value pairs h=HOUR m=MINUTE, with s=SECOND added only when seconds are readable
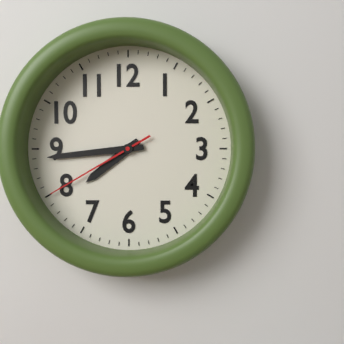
h=7 m=44 s=40
